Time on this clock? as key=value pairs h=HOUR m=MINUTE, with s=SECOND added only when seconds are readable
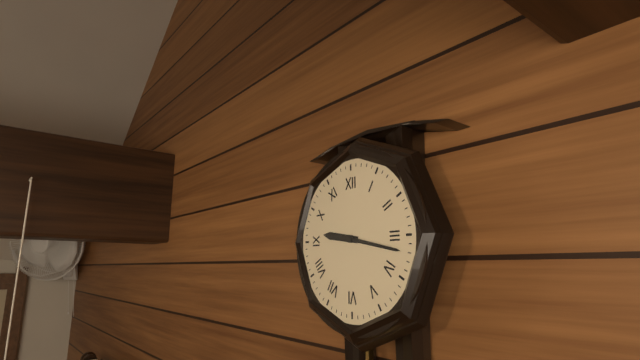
h=9 m=17
